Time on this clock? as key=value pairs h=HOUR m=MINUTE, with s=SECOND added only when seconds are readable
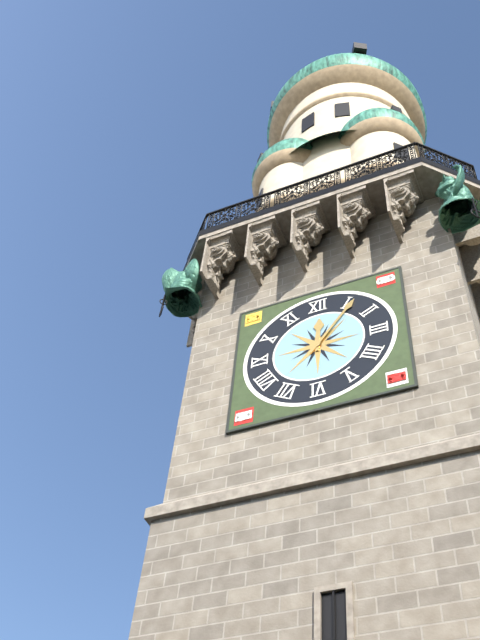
h=12 m=6
